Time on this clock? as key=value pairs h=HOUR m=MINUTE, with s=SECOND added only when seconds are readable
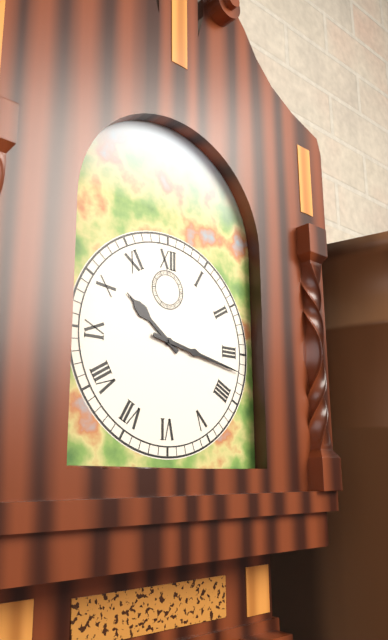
h=10 m=17
